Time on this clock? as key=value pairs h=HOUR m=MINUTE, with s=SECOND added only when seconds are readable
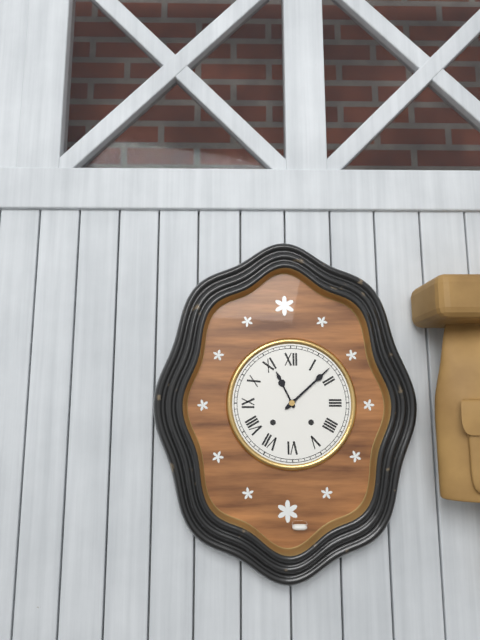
h=11 m=8
